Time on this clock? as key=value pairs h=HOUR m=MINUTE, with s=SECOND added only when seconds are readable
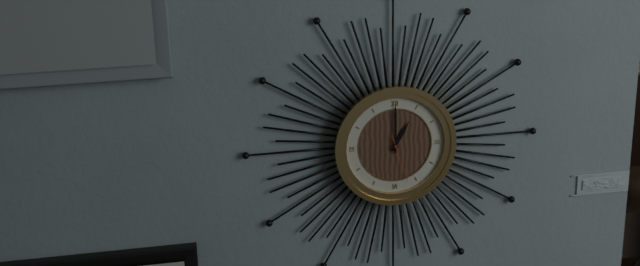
h=1 m=0 s=27
